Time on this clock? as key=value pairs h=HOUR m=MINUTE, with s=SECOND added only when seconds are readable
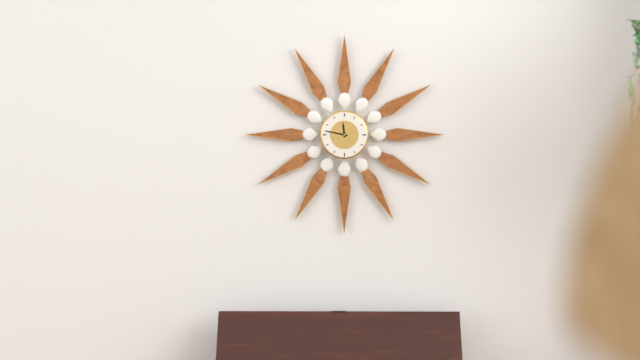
h=11 m=47
